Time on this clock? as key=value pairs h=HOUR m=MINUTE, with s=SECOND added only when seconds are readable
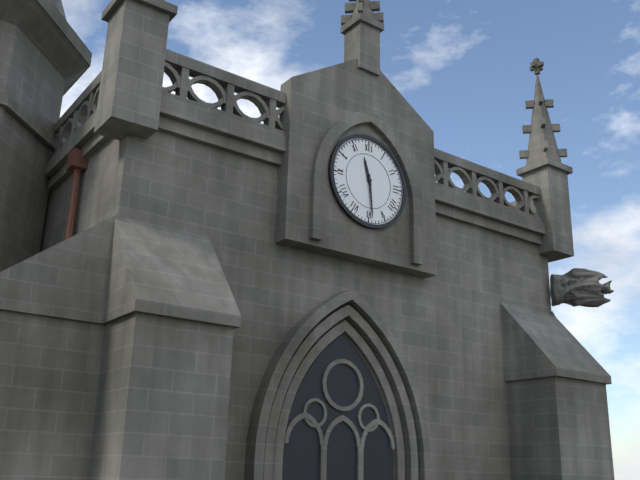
h=11 m=29
